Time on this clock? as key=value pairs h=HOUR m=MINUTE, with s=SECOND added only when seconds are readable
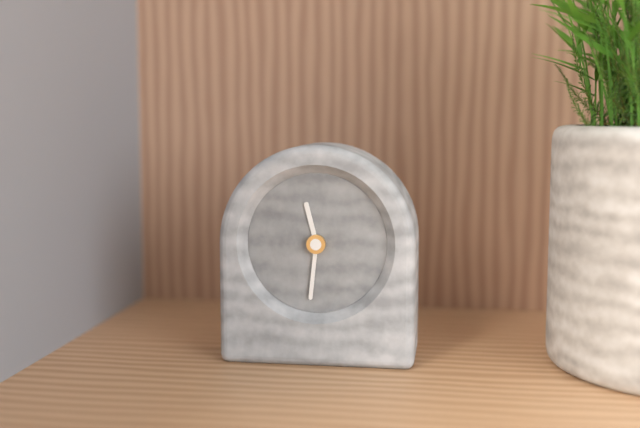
h=11 m=31
